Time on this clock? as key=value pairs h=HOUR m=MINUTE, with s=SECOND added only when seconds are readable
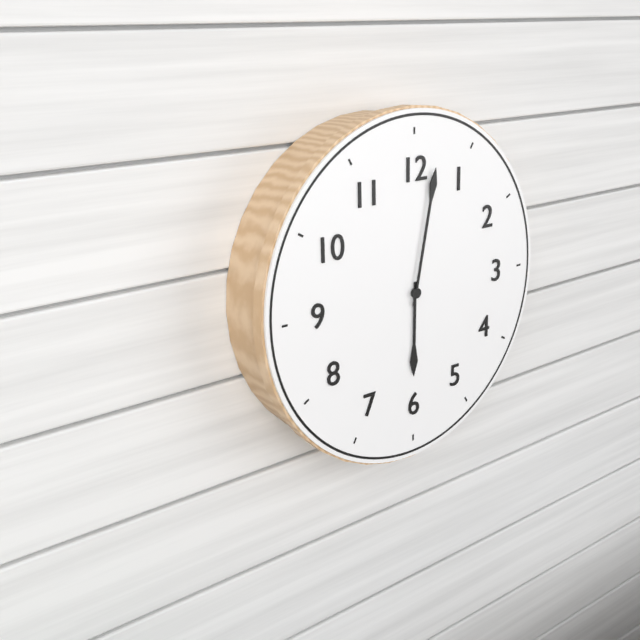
h=6 m=2
